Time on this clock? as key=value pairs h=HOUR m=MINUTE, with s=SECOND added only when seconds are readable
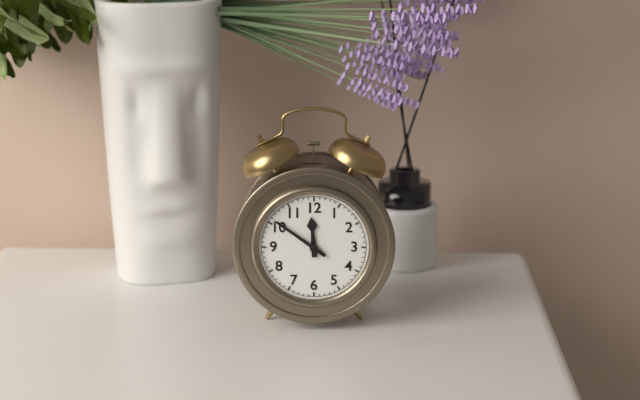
h=11 m=51
